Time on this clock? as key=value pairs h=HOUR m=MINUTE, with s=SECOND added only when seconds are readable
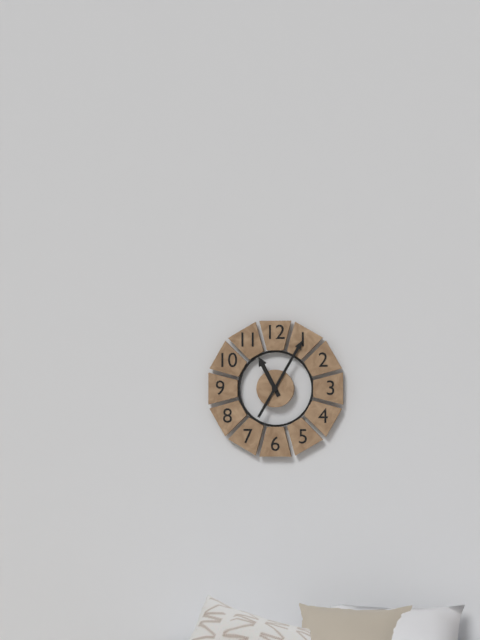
h=11 m=5
